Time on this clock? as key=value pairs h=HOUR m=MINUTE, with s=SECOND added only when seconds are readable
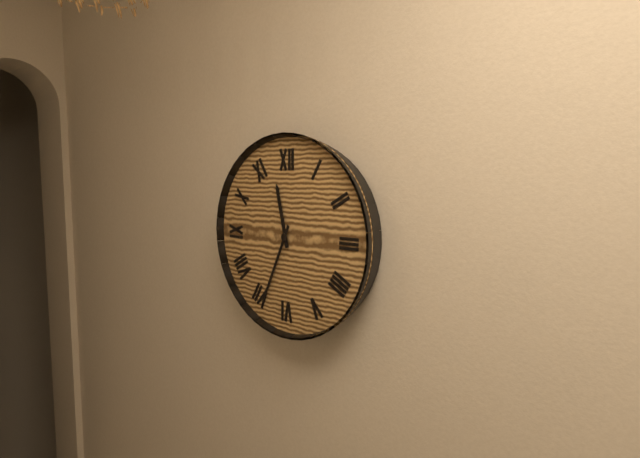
h=11 m=34
